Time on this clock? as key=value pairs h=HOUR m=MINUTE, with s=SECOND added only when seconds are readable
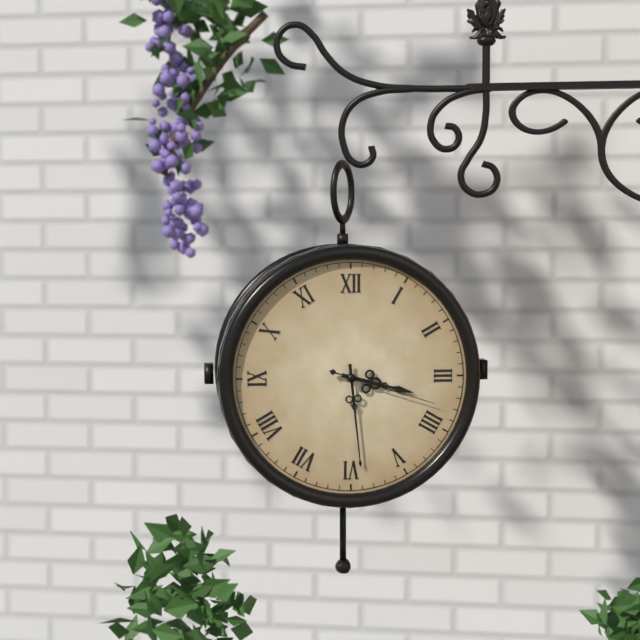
h=3 m=29 s=18
